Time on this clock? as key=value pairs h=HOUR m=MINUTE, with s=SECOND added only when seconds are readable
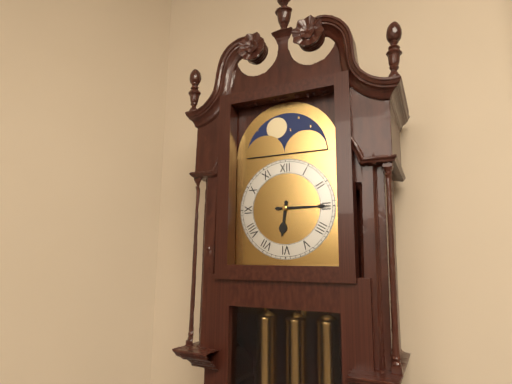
h=6 m=15
